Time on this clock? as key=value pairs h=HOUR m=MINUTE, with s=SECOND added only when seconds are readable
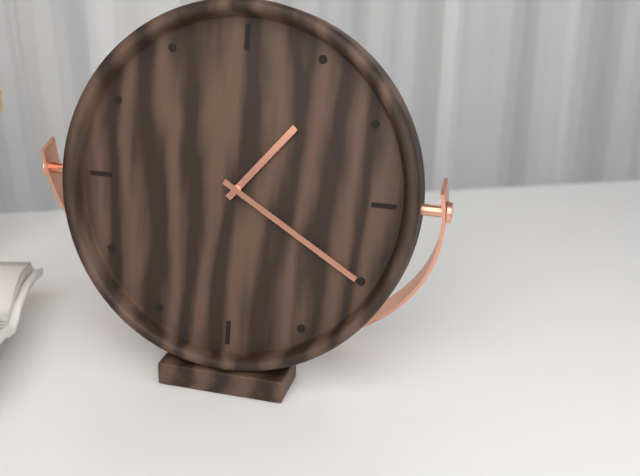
h=1 m=20
